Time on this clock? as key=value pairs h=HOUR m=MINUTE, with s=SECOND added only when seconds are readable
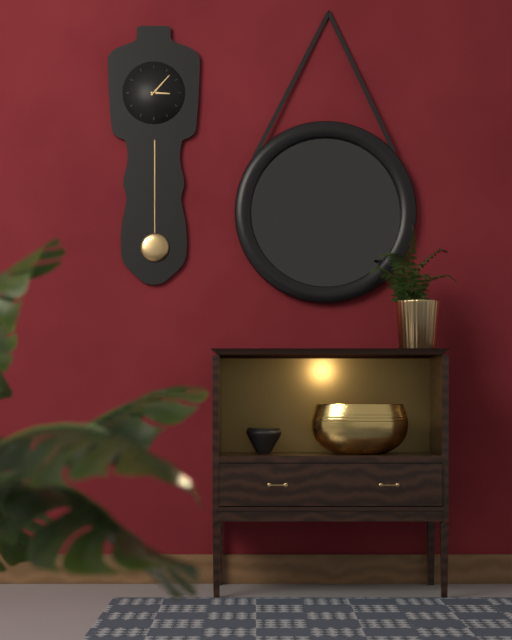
h=3 m=7
